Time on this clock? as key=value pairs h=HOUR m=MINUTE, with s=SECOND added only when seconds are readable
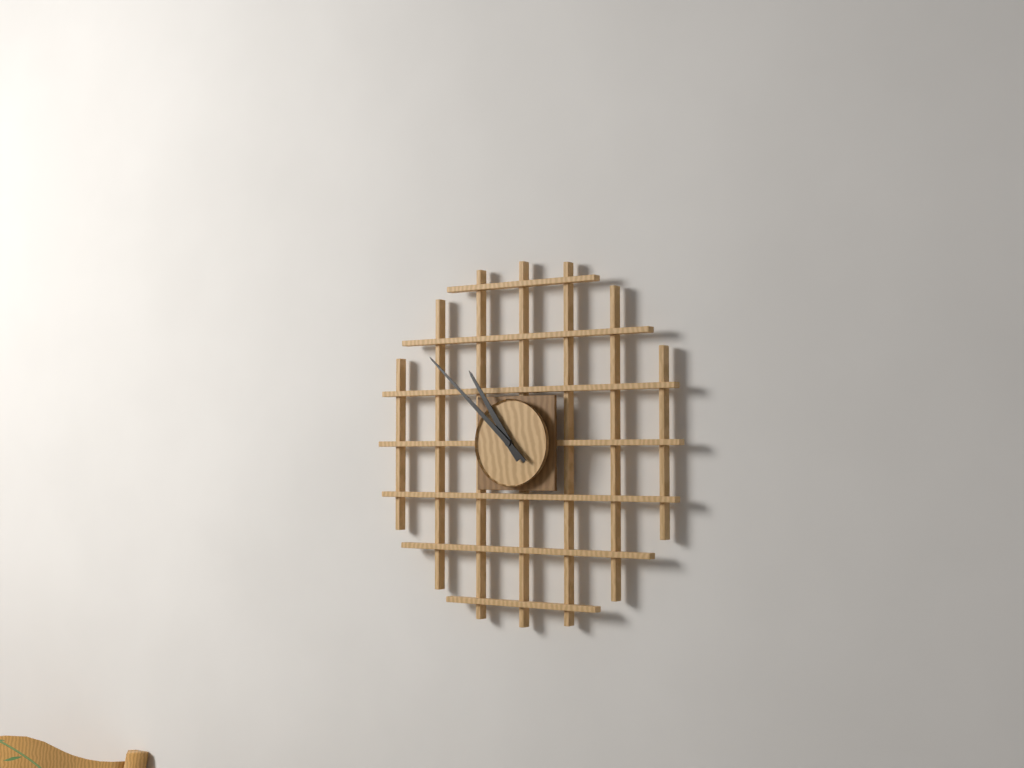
h=10 m=52
